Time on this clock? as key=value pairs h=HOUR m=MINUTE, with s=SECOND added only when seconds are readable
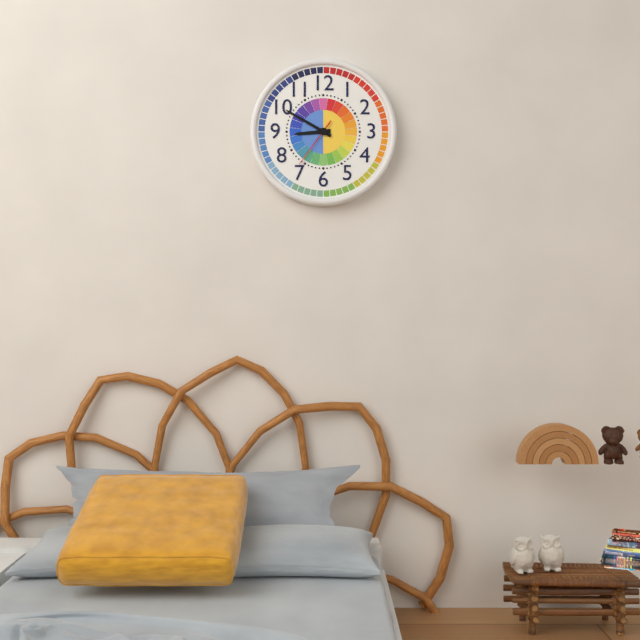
h=8 m=50 s=36
